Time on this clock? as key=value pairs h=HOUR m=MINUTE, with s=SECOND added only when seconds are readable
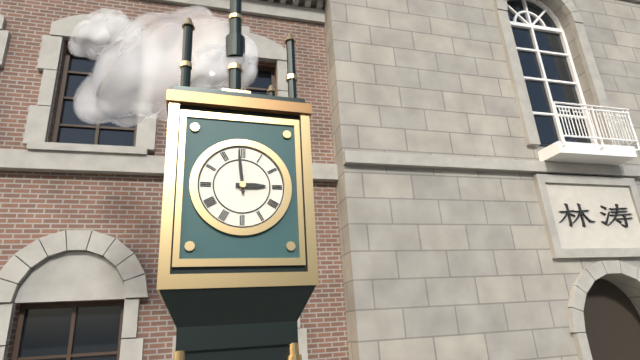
h=2 m=59
